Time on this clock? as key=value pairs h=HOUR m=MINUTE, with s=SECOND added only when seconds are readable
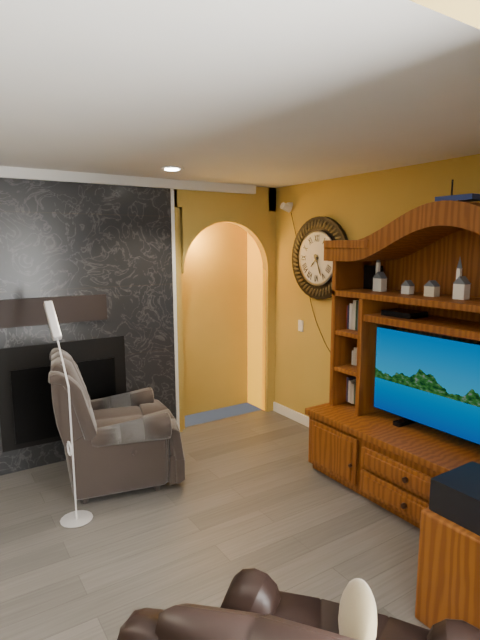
h=7 m=26
